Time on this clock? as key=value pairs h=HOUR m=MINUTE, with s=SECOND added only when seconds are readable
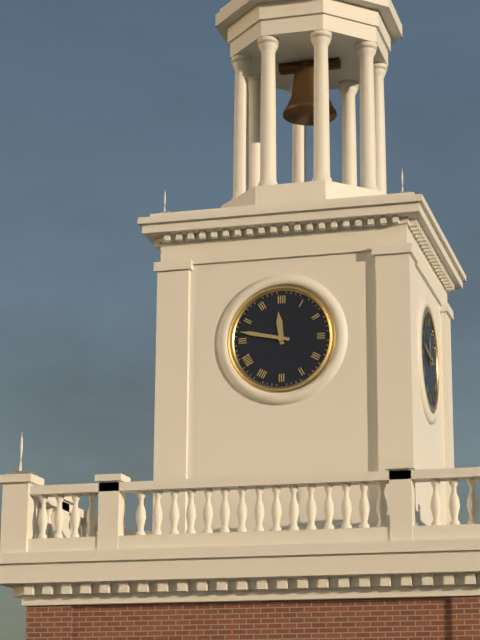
h=11 m=47
